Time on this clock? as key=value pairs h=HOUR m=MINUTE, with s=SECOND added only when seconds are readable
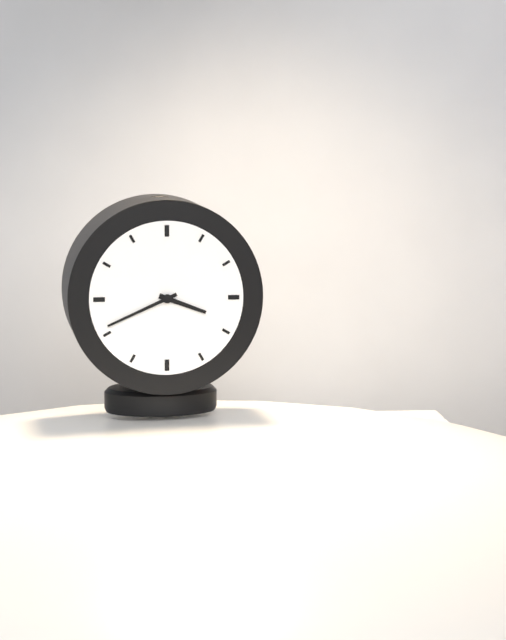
h=3 m=41
